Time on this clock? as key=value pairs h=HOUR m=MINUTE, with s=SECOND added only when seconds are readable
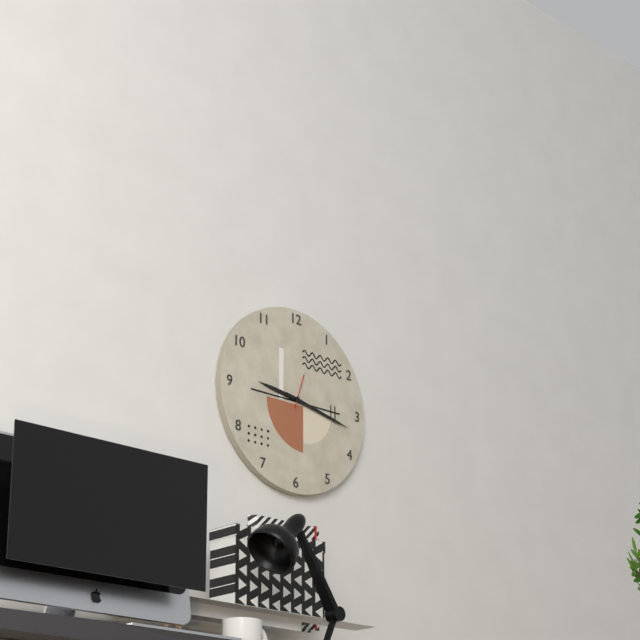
h=9 m=17
